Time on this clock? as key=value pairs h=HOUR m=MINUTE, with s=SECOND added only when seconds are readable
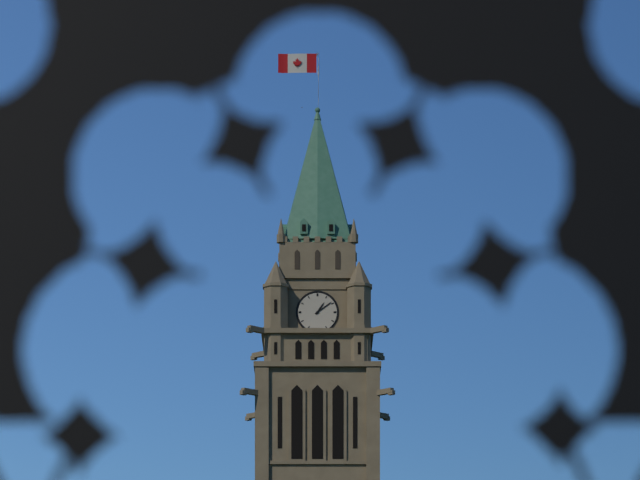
h=1 m=9
